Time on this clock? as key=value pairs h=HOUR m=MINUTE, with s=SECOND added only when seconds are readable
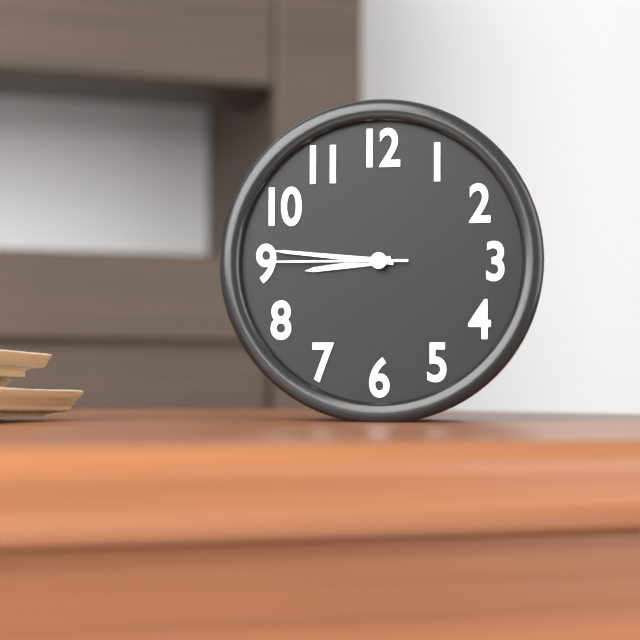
h=8 m=46 s=45
